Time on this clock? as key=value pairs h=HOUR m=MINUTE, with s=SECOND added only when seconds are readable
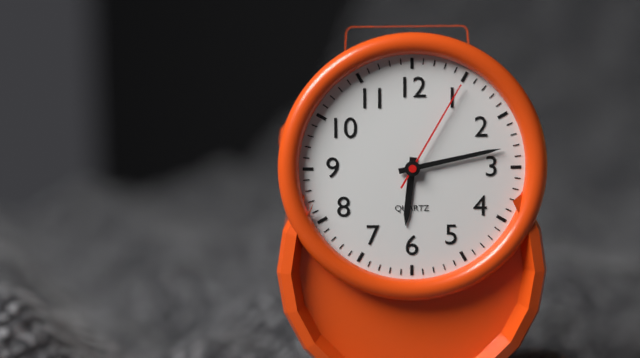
h=6 m=13 s=5
